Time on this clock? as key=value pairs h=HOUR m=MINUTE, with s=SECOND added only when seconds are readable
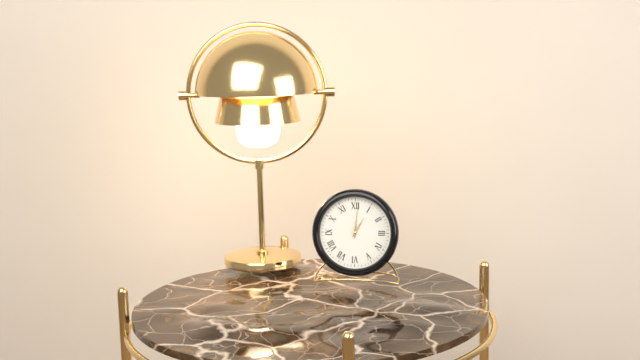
h=1 m=1
